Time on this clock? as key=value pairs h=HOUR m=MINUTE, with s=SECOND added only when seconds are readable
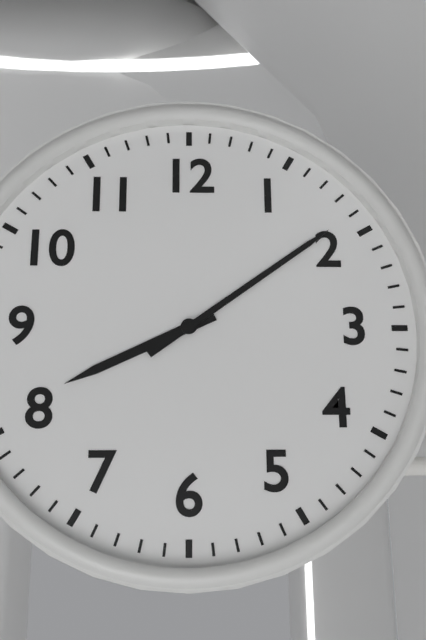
h=8 m=9
